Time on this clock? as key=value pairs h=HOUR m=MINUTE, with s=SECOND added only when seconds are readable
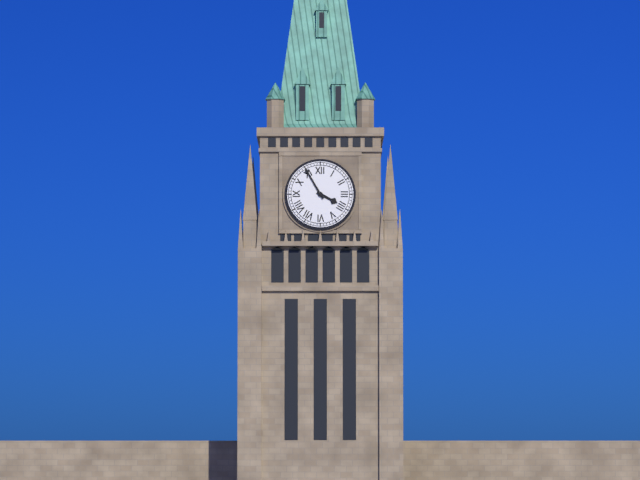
h=3 m=55
